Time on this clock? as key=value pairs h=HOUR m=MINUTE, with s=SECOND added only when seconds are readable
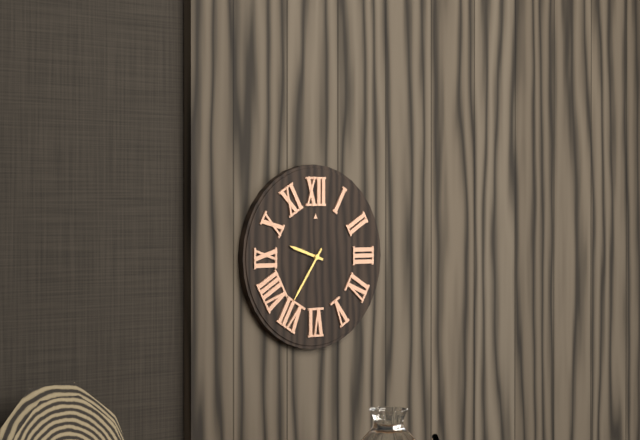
h=9 m=36
